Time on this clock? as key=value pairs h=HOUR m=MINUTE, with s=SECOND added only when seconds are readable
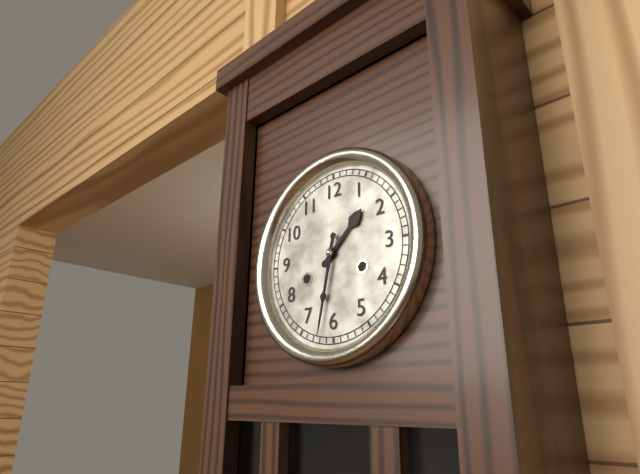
h=1 m=32
